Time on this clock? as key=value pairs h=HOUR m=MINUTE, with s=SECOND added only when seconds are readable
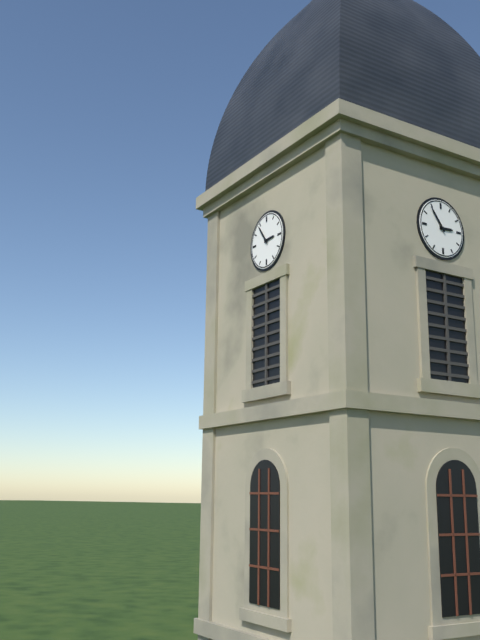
h=2 m=54
